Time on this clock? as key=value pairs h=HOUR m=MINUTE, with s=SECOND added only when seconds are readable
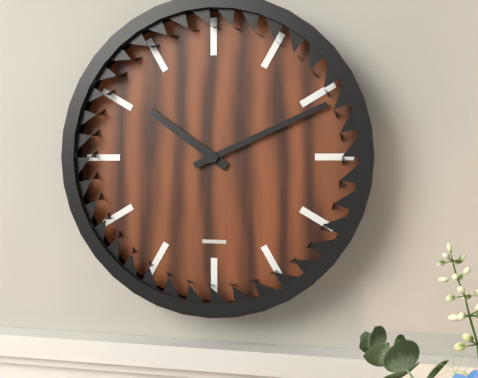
h=10 m=11
